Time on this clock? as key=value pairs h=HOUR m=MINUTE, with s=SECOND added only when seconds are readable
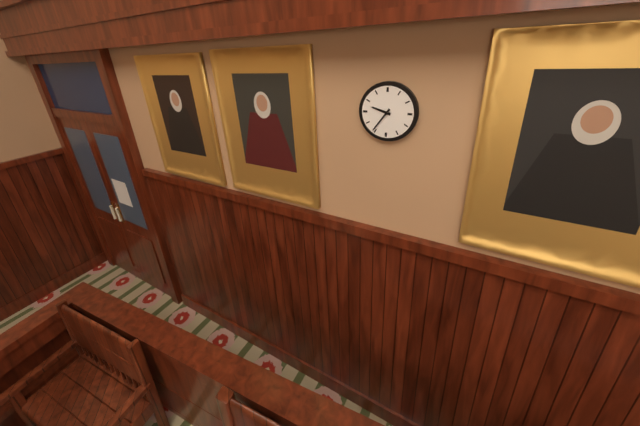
h=9 m=36
